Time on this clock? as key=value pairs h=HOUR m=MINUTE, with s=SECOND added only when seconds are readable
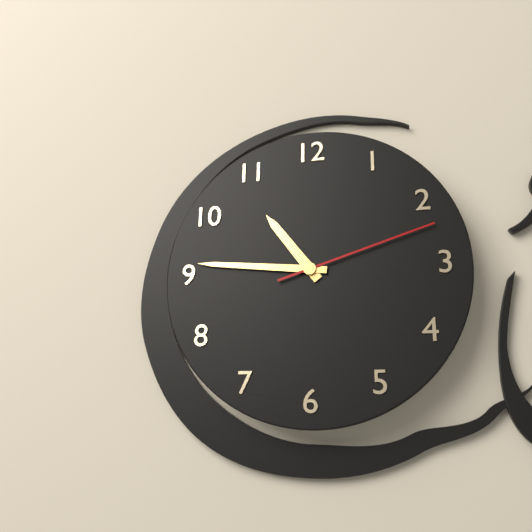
h=10 m=46 s=12
